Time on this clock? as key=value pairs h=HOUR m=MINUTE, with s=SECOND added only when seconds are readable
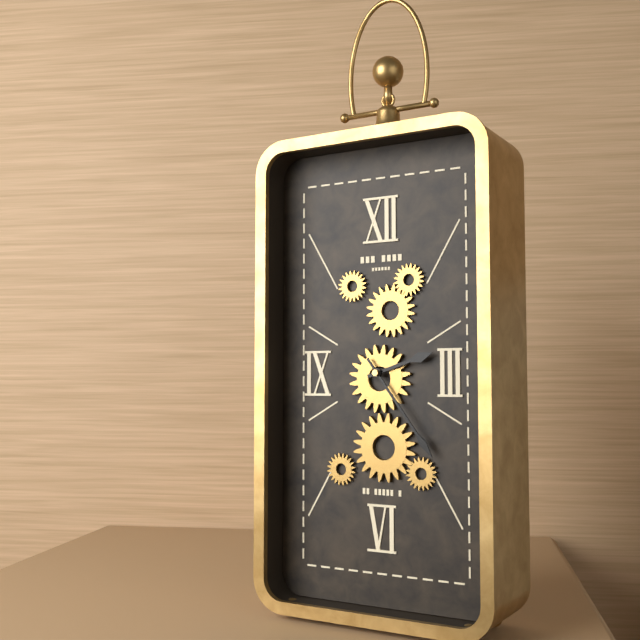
h=2 m=24
